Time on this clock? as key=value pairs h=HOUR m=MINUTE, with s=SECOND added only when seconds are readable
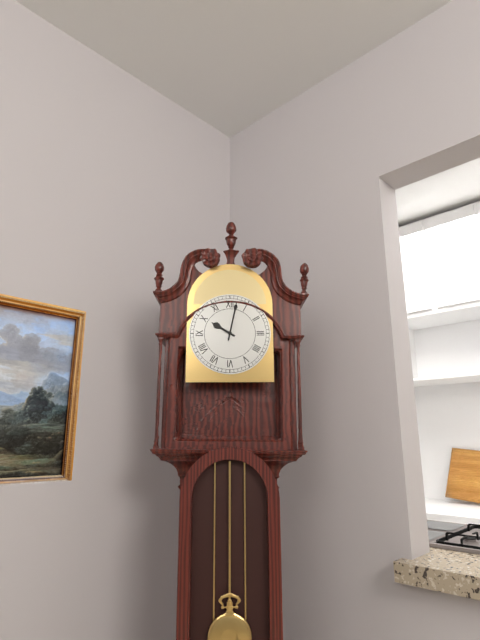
h=10 m=2
